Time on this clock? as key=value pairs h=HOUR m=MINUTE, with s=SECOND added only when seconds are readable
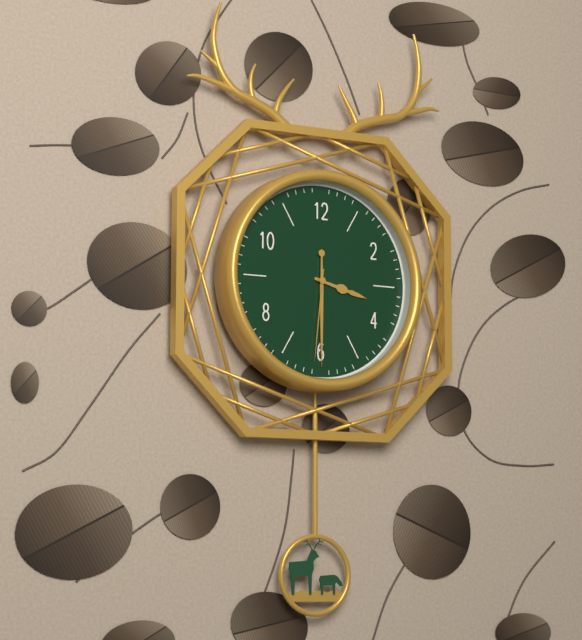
h=3 m=30 s=31
